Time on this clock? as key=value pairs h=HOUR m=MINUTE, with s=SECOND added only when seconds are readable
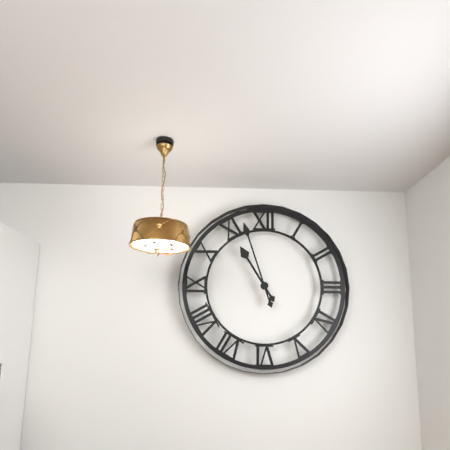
h=10 m=57
